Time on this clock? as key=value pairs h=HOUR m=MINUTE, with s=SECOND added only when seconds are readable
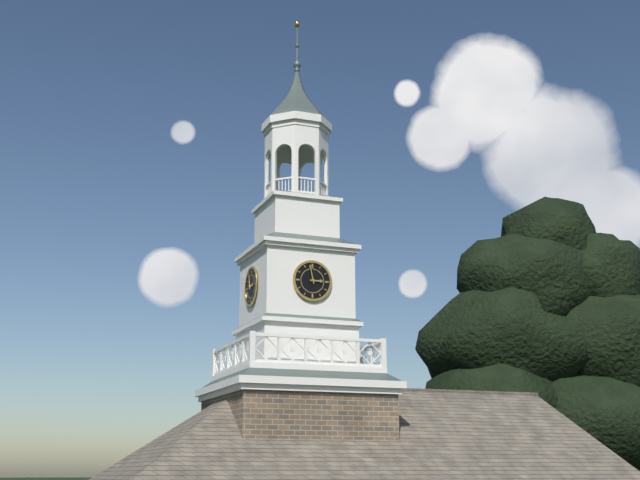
h=2 m=58
